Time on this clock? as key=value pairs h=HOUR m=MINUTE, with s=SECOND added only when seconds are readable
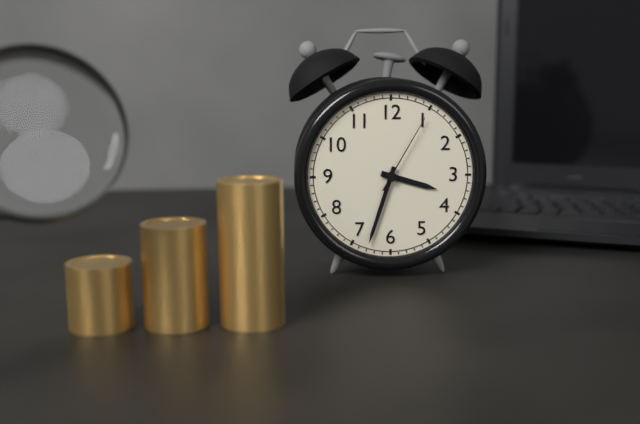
h=3 m=33 s=5
